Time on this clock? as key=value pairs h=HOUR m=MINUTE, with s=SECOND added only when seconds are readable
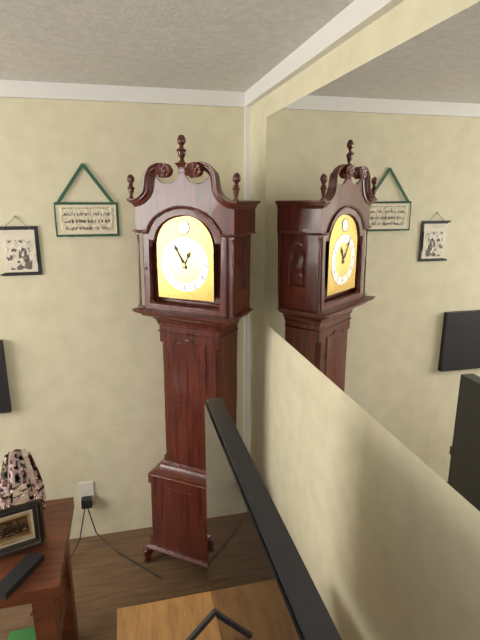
h=12 m=55
